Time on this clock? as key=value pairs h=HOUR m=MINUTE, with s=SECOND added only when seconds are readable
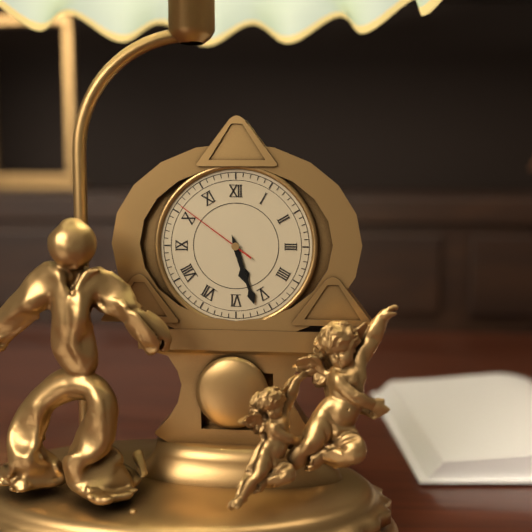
h=5 m=27 s=51
